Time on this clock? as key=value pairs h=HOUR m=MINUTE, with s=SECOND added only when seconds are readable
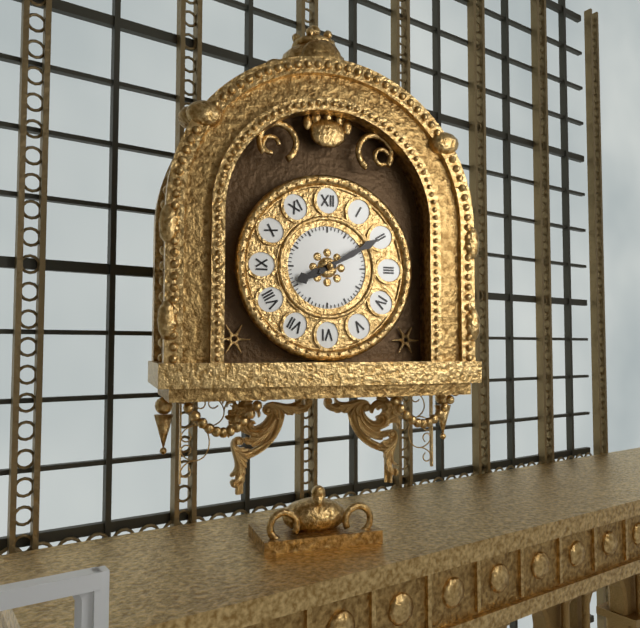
h=8 m=10
